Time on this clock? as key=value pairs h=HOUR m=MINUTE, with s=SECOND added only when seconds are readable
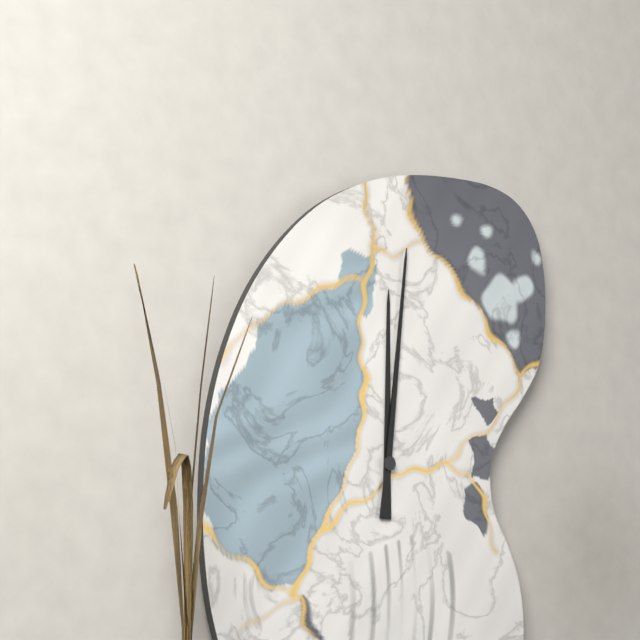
h=12 m=1
